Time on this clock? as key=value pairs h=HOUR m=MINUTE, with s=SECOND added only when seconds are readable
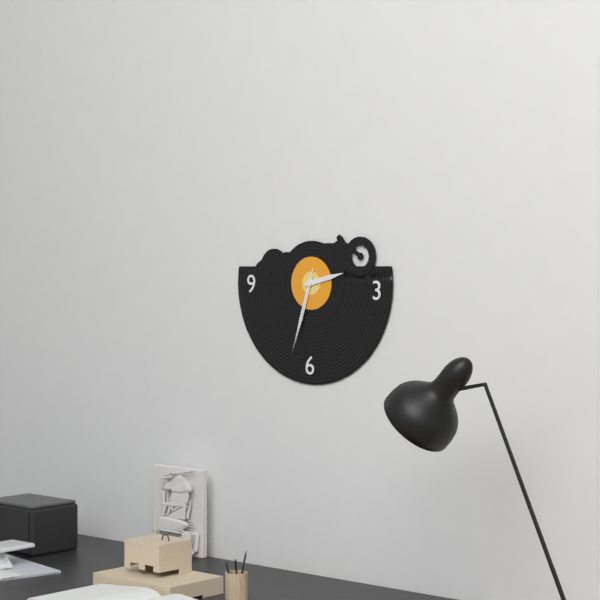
h=2 m=33 s=33
